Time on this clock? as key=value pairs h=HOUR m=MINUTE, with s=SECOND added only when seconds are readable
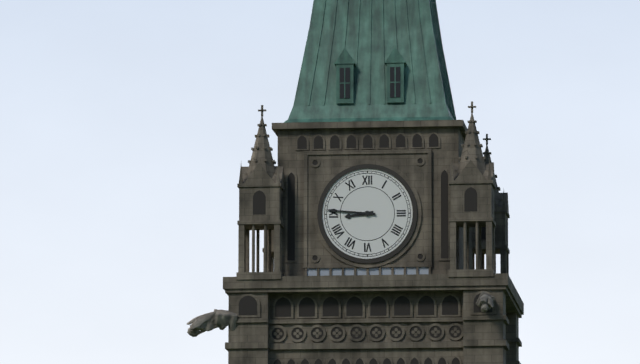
h=8 m=46
